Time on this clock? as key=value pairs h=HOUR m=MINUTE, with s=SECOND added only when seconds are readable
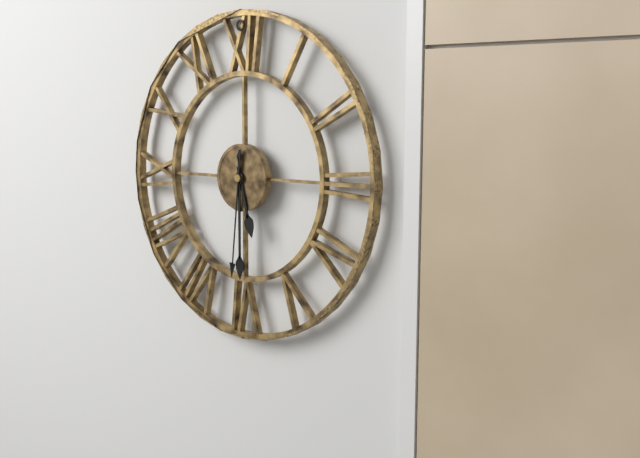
h=5 m=30 s=31
